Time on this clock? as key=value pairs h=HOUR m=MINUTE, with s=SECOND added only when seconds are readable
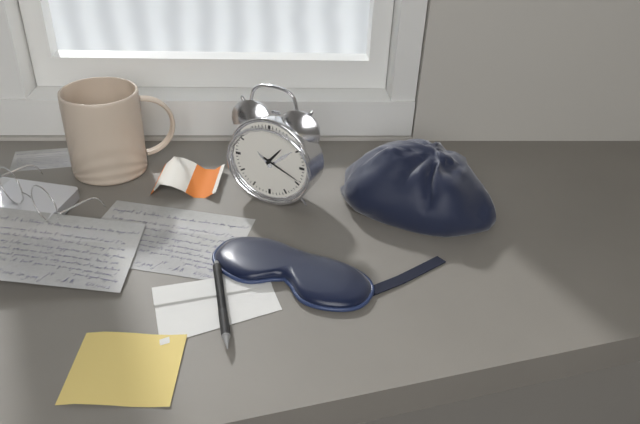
h=1 m=19
